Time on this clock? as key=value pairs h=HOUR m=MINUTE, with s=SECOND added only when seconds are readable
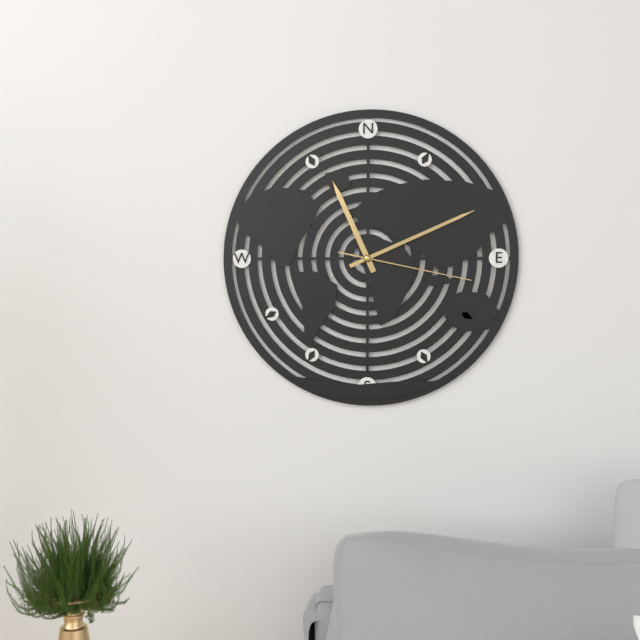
h=11 m=11 s=17
